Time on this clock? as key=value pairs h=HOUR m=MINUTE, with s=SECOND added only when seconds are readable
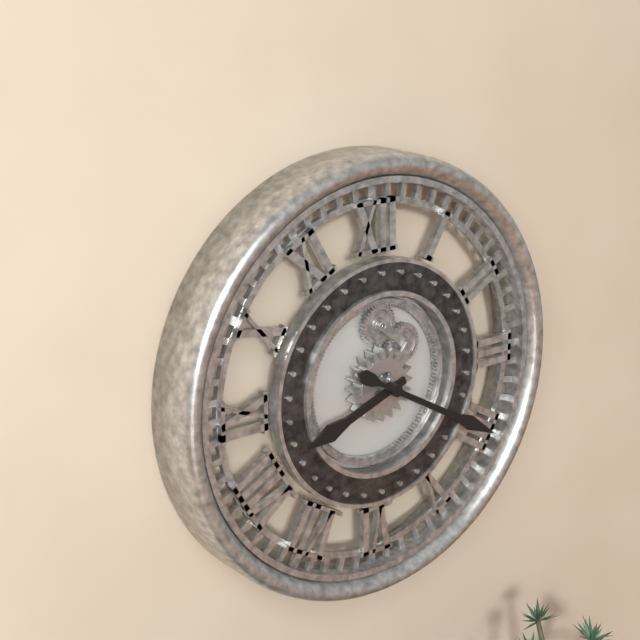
h=8 m=20
